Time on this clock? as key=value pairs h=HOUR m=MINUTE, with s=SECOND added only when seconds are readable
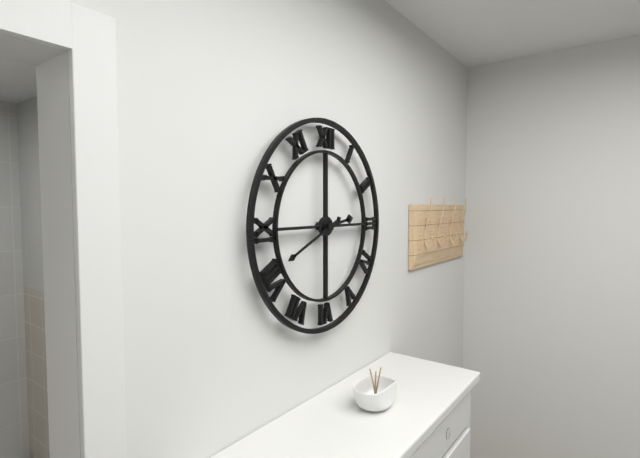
h=2 m=41
